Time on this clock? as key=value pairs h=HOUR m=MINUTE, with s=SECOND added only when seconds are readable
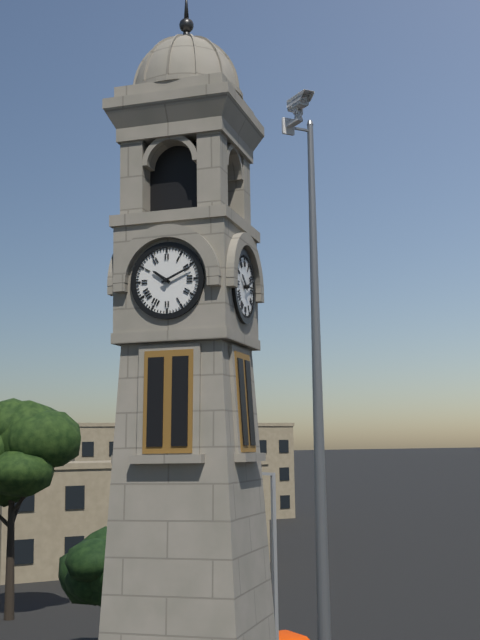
h=10 m=11
